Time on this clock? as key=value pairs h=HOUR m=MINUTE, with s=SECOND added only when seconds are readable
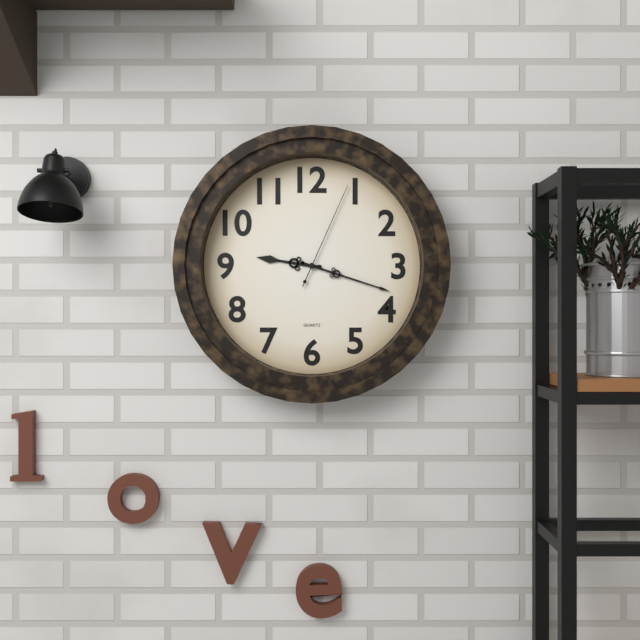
h=9 m=18 s=4
